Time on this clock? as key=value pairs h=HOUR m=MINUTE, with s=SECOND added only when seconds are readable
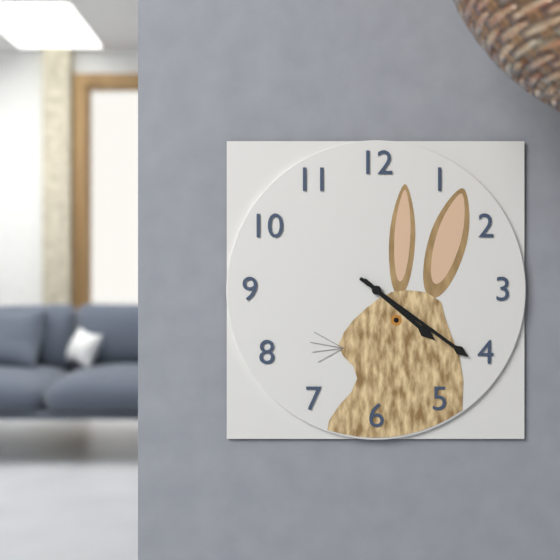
h=4 m=21
